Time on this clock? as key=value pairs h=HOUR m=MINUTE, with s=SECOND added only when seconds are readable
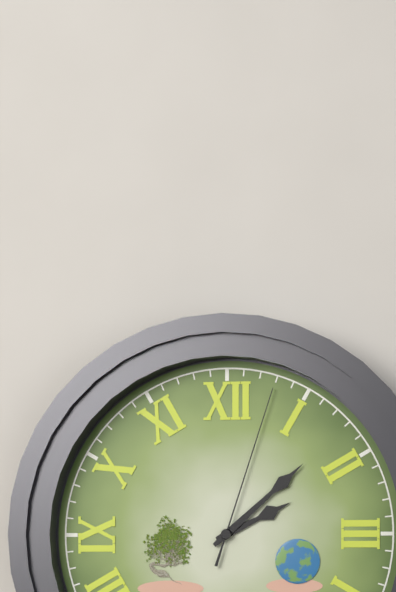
h=2 m=8 s=3
